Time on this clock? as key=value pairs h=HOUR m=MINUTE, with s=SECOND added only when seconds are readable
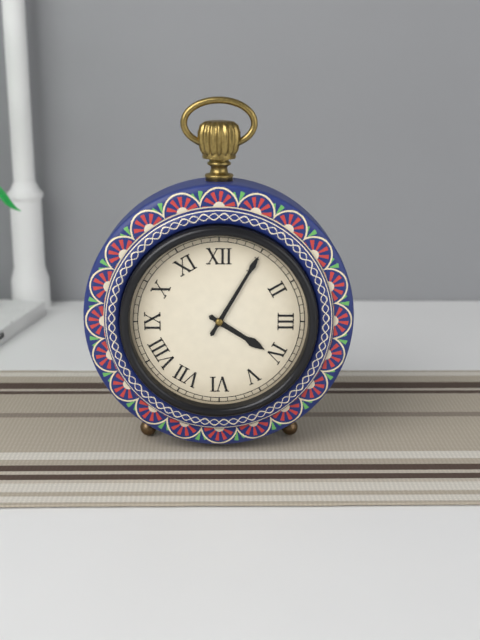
h=4 m=5
